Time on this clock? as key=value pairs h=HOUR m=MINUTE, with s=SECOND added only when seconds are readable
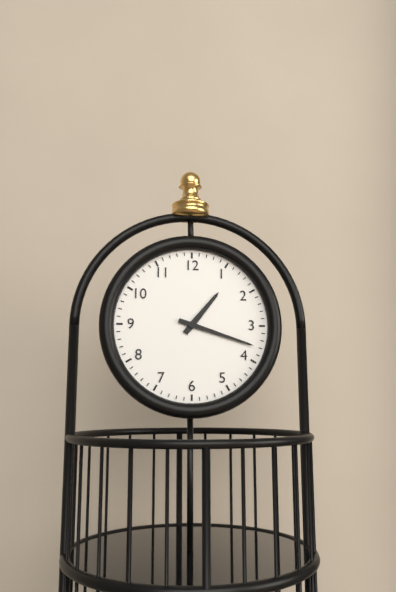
h=1 m=18
